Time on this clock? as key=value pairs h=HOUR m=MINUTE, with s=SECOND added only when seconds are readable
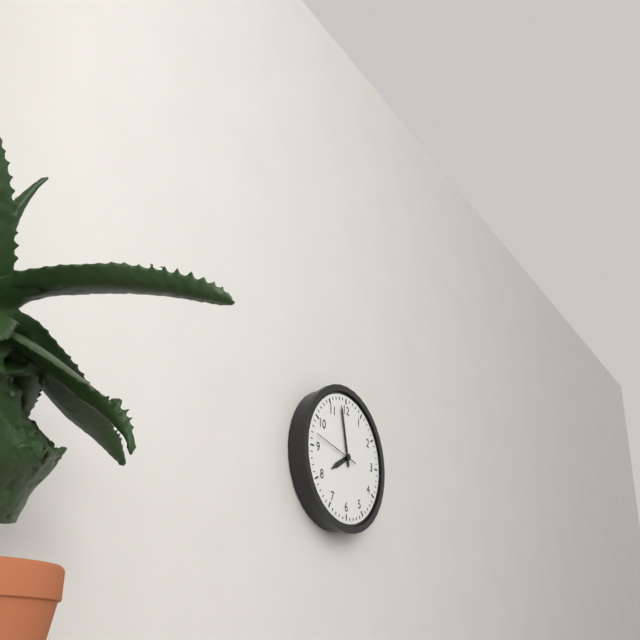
h=7 m=58
